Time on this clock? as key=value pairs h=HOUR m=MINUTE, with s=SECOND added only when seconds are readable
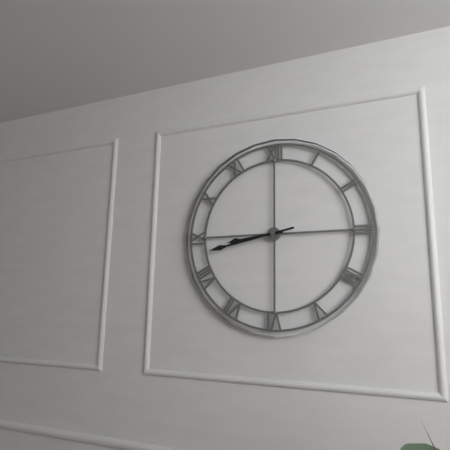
h=8 m=43
